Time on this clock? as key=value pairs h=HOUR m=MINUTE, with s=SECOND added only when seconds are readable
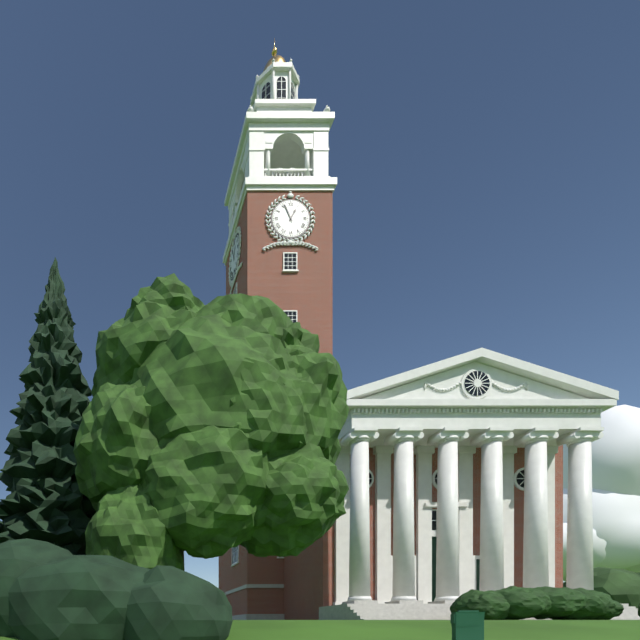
h=12 m=56
